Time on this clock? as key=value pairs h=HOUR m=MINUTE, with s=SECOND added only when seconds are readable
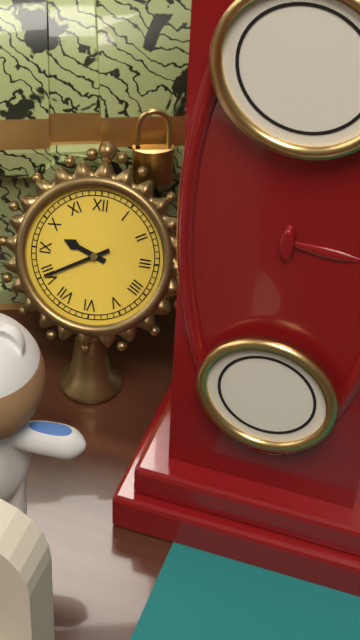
h=9 m=40
